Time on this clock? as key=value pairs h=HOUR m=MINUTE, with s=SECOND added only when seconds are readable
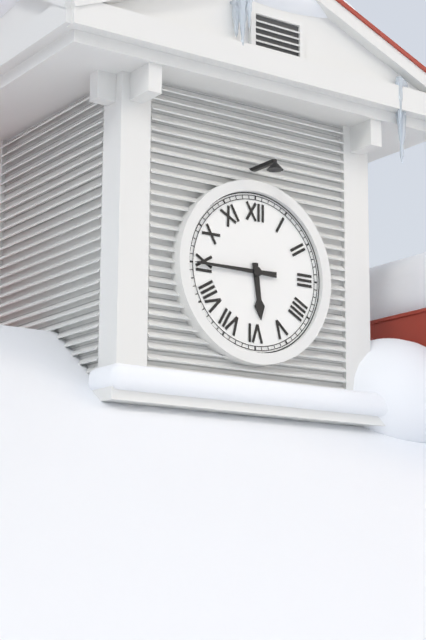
h=5 m=45
